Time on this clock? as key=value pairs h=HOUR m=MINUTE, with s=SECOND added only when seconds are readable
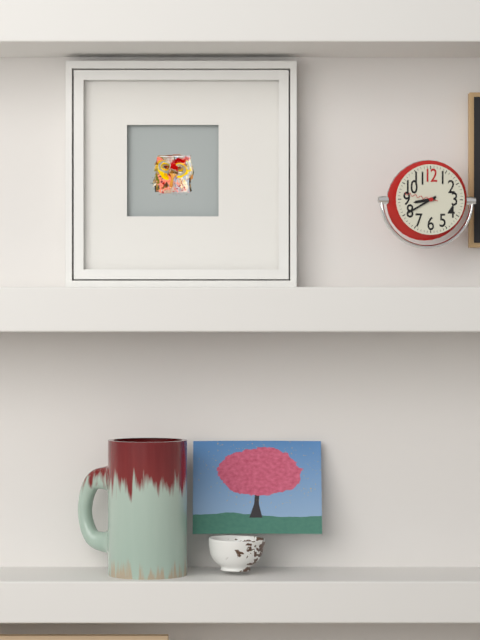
h=8 m=40
